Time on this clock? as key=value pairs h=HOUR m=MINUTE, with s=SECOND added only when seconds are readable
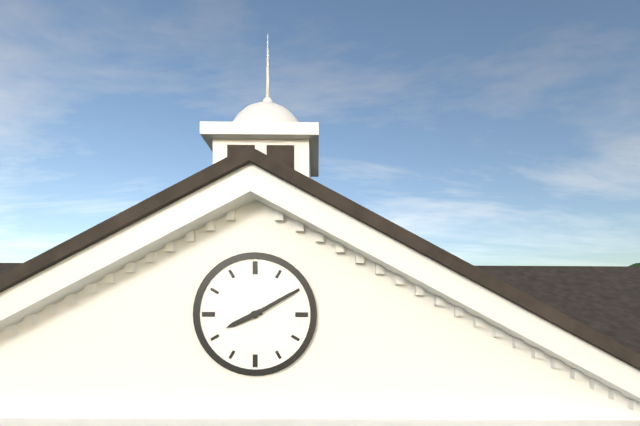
h=8 m=10
